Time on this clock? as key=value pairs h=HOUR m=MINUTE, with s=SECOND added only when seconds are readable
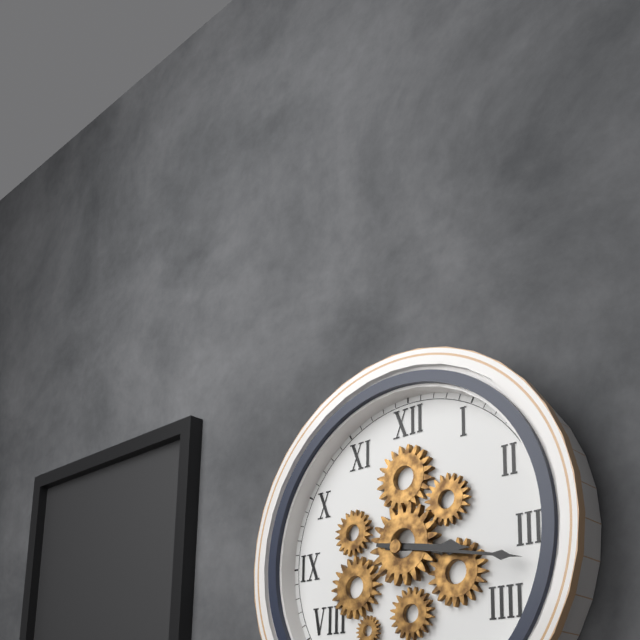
h=3 m=17
